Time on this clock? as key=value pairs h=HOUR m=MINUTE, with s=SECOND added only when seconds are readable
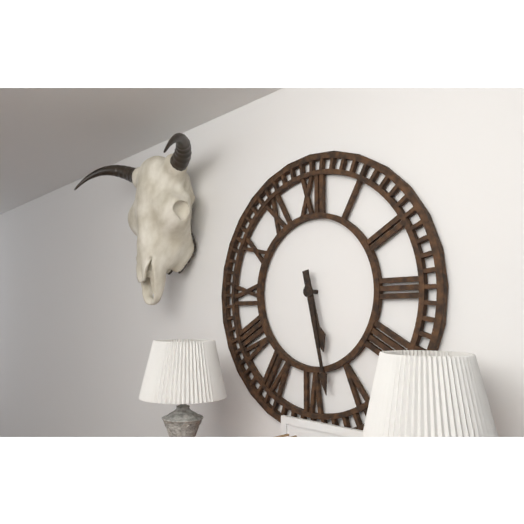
h=5 m=28
